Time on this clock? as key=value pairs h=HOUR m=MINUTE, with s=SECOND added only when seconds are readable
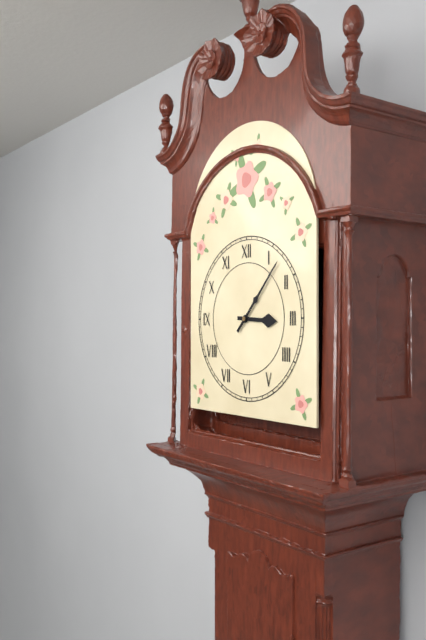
h=3 m=7
